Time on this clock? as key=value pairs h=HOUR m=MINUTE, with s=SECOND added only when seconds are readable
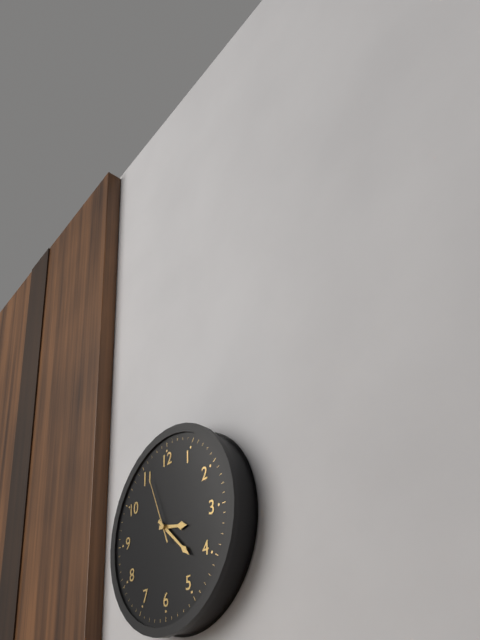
h=3 m=22 s=56
